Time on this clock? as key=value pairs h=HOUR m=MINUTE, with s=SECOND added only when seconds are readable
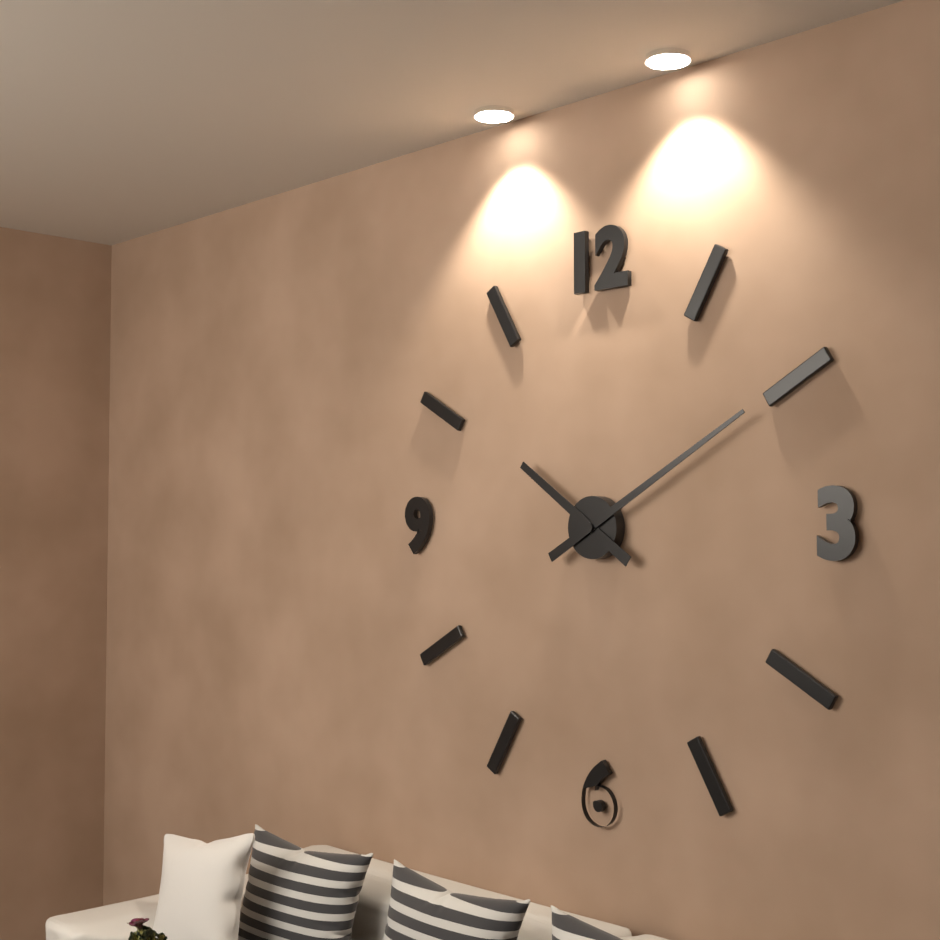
h=10 m=10
